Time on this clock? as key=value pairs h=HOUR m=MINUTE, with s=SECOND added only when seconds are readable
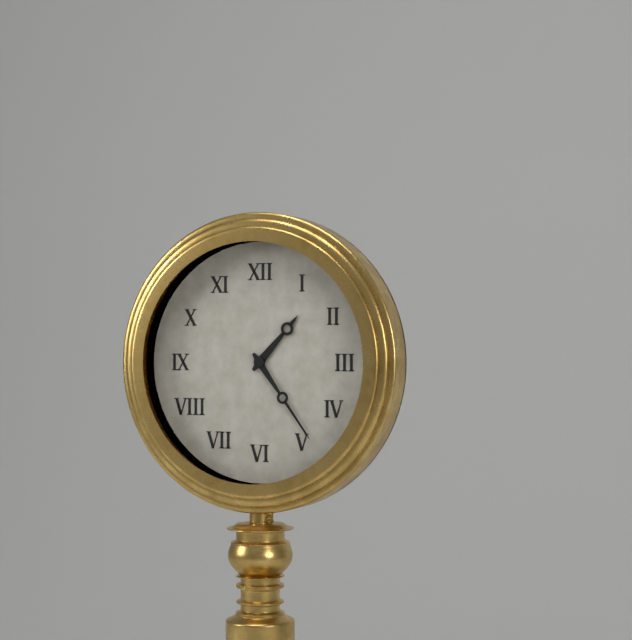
h=1 m=24
